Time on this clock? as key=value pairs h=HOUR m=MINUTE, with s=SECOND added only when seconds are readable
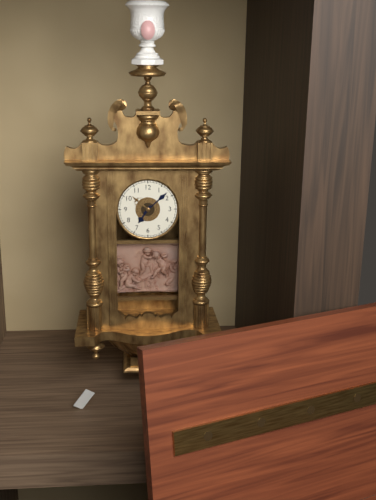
h=7 m=8
